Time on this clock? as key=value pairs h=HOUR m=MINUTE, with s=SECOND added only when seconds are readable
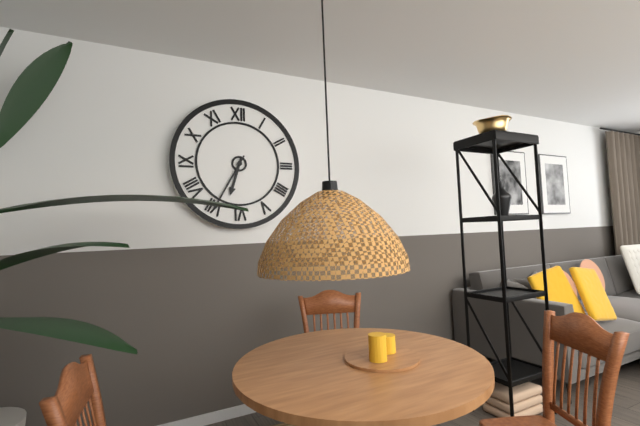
h=6 m=35
